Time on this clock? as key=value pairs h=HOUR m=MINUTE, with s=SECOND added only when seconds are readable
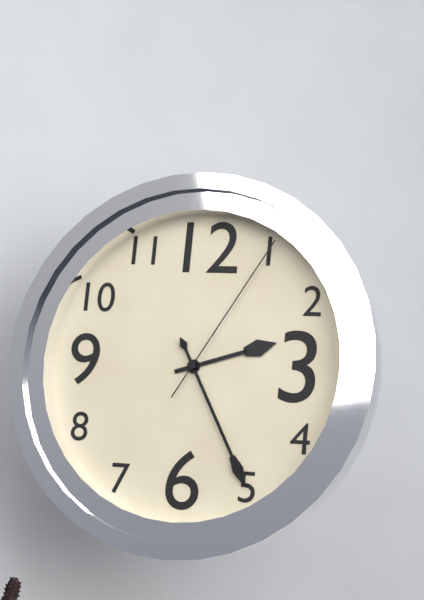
h=2 m=25 s=5
